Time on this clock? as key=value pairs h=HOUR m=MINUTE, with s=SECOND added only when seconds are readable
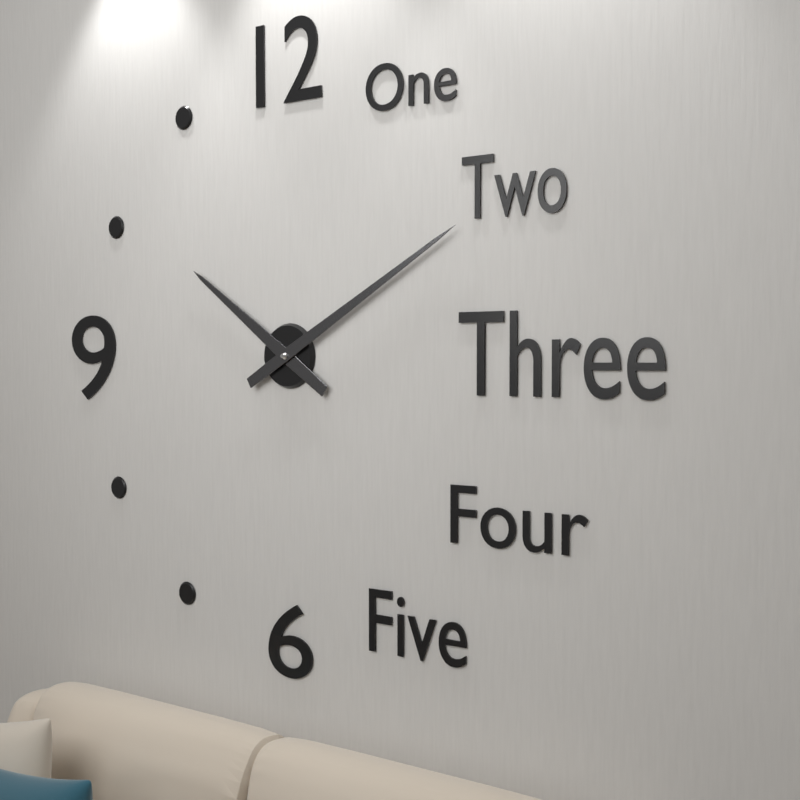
h=10 m=10
